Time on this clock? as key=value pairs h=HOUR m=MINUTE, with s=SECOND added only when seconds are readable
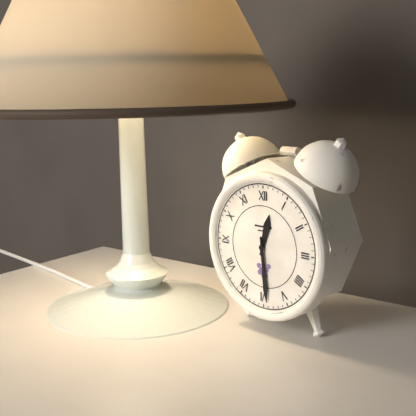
h=12 m=29
